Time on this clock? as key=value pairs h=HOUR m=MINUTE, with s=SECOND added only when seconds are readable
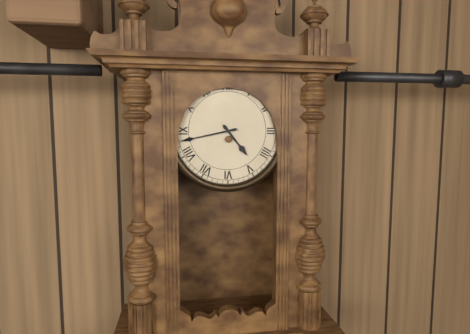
h=4 m=43
